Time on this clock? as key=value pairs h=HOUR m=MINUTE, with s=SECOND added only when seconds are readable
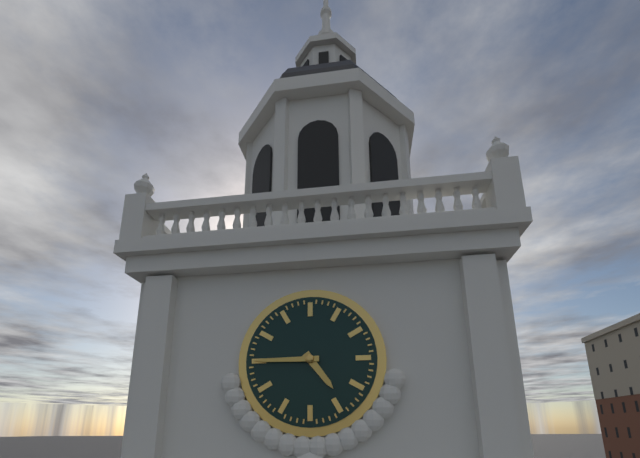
h=4 m=45
